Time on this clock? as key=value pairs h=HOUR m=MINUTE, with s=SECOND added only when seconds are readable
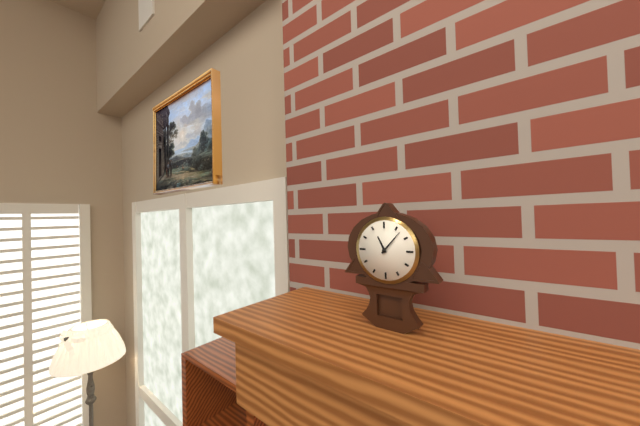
h=11 m=7
